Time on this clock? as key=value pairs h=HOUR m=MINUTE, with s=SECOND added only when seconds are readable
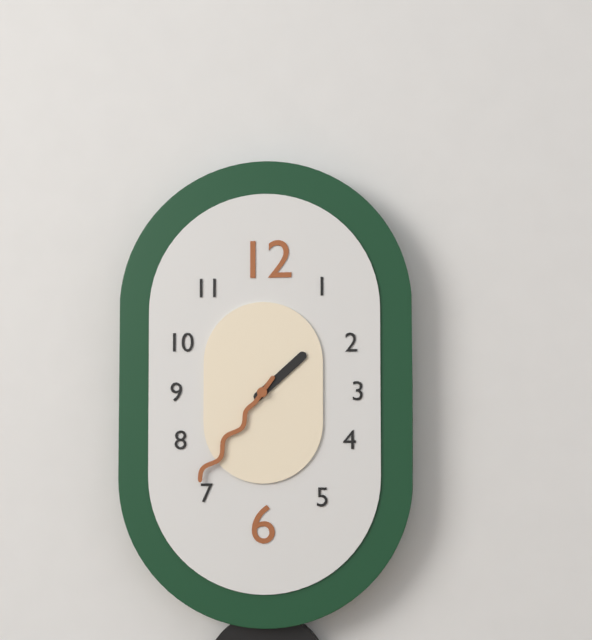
h=1 m=36
